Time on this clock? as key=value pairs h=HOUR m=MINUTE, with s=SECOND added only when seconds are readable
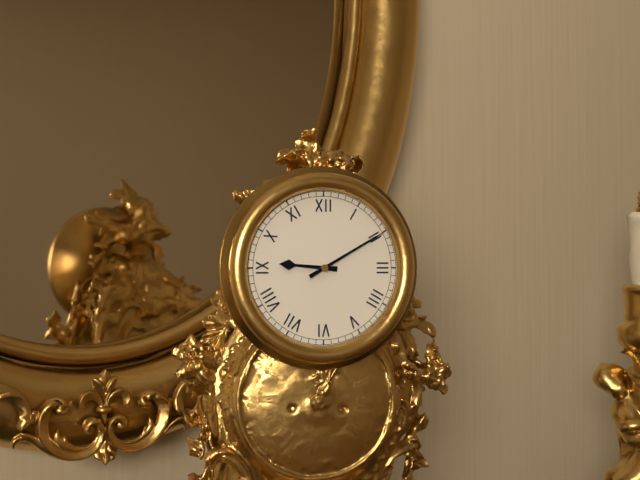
h=9 m=10
